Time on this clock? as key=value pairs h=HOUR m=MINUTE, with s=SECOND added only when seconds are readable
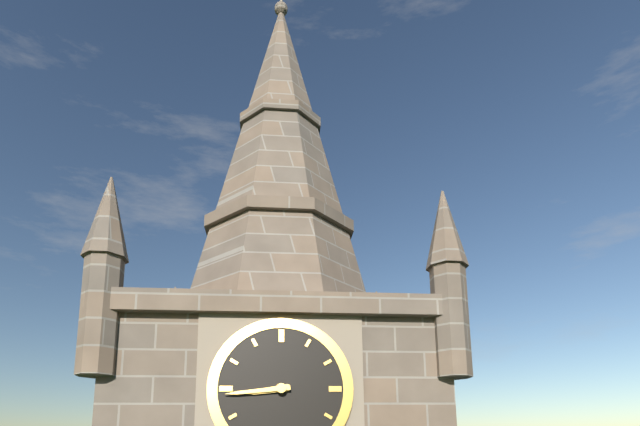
h=8 m=44
